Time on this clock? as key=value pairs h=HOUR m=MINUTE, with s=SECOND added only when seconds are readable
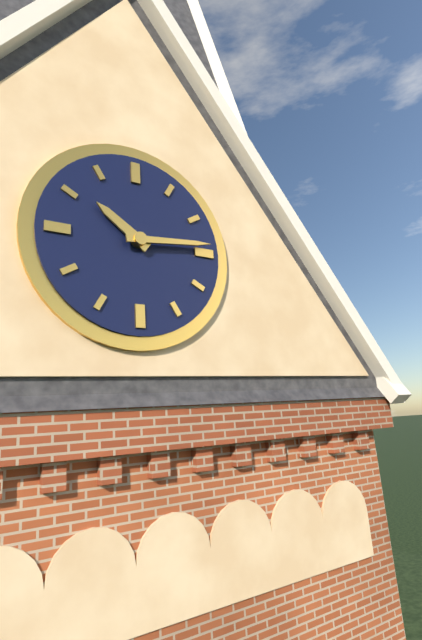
h=10 m=14
